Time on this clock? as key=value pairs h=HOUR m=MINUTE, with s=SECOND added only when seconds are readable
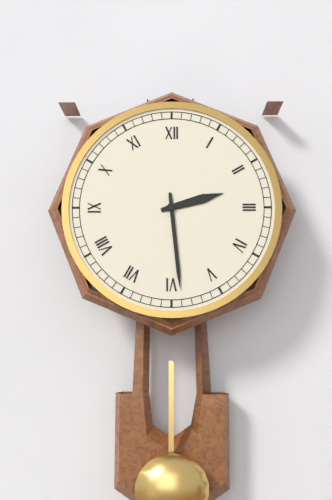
h=2 m=29
